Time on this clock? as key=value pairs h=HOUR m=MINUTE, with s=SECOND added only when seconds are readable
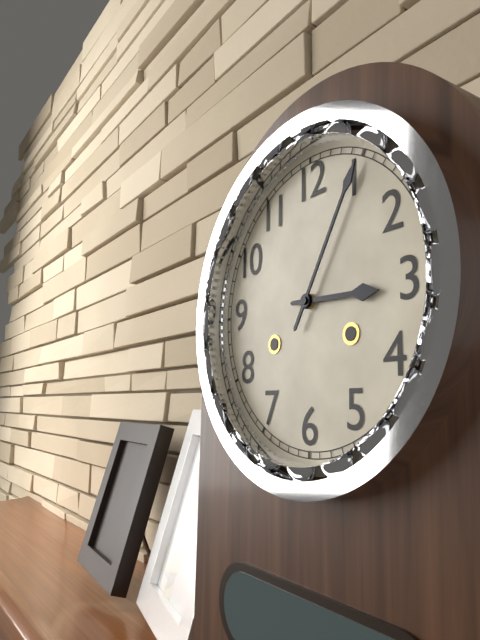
h=3 m=5
